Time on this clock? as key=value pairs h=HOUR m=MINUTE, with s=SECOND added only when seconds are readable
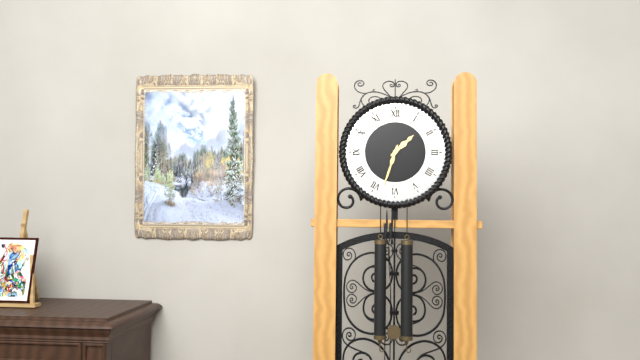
h=1 m=33
